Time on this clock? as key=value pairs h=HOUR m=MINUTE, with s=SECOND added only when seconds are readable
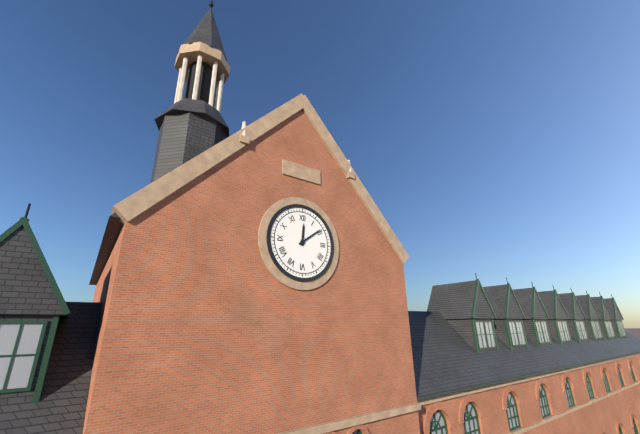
h=12 m=9
